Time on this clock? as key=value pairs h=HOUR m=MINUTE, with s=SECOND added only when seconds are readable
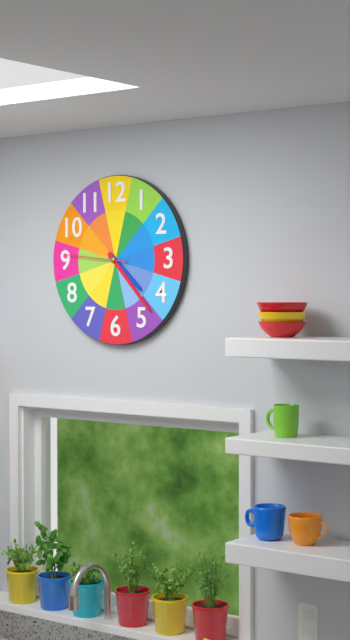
h=4 m=23 s=46
